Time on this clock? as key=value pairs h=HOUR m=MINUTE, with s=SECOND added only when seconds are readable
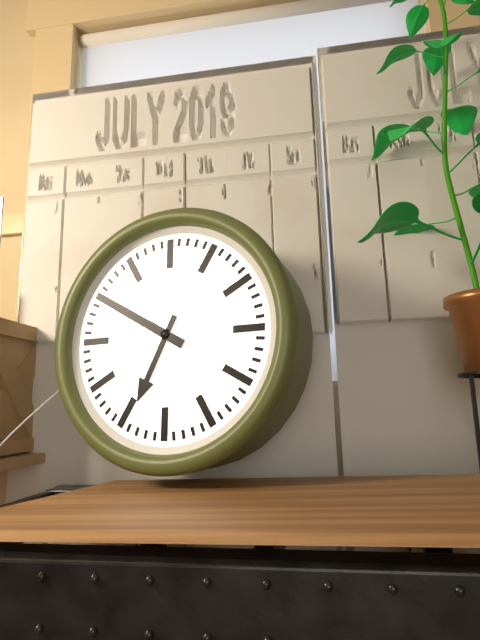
h=6 m=50
